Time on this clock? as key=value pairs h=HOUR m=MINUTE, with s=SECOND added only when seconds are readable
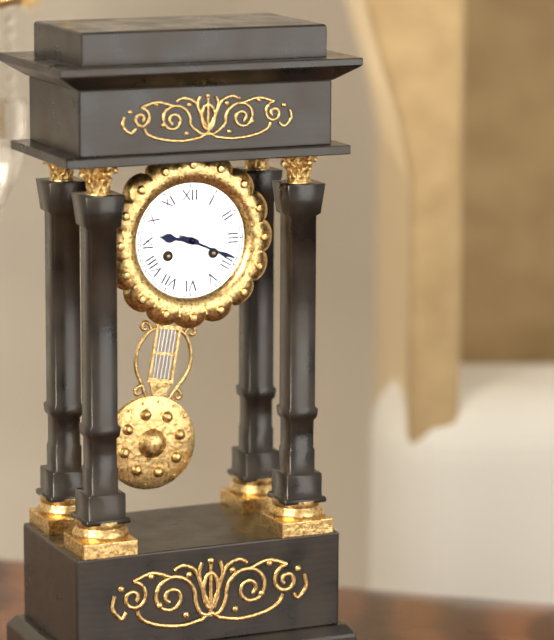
h=9 m=19
